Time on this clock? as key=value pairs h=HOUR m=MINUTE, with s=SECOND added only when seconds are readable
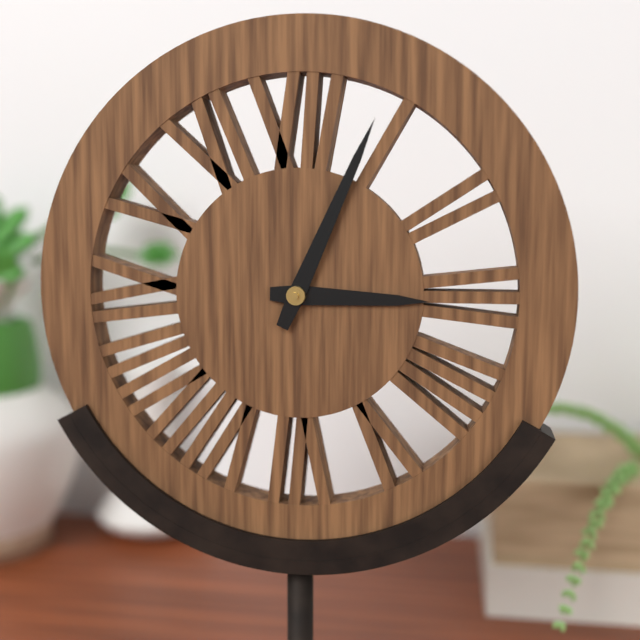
h=3 m=4
